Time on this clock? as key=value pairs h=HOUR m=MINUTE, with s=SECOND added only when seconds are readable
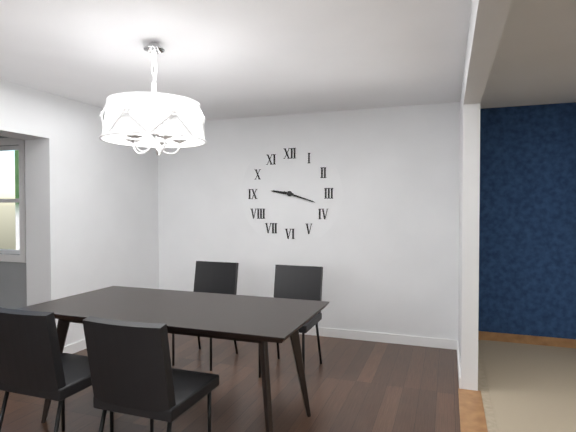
h=9 m=18
